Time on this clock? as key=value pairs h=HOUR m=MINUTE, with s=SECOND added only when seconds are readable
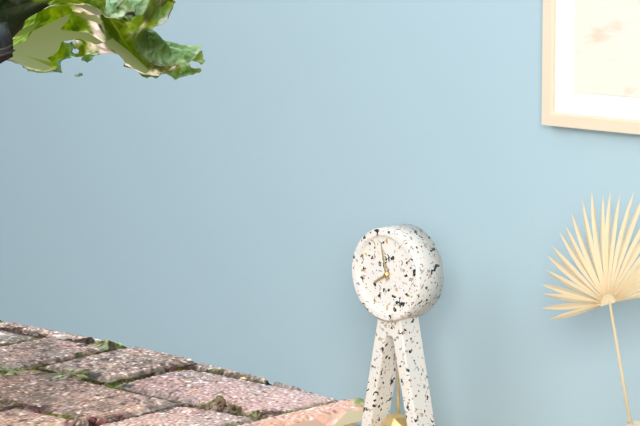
h=7 m=58
